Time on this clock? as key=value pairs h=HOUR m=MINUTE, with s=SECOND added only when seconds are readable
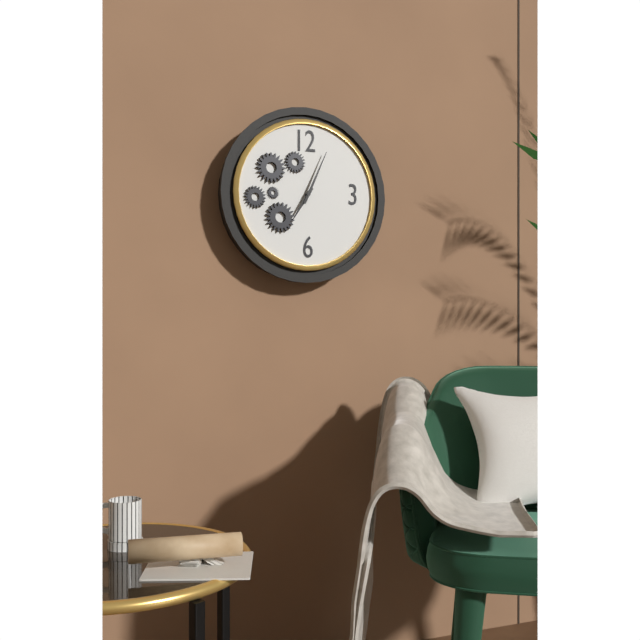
h=7 m=4
